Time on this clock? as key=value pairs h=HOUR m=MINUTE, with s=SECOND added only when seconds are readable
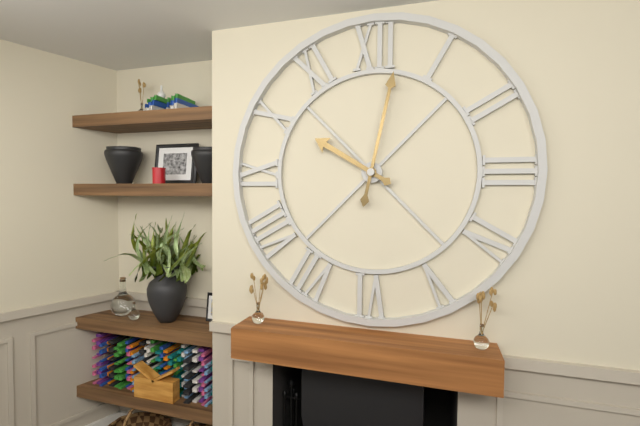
h=10 m=2
